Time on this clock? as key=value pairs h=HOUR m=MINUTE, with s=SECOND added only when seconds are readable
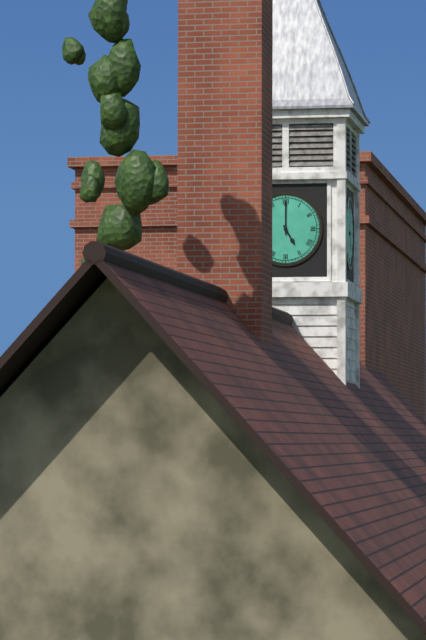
h=5 m=0
